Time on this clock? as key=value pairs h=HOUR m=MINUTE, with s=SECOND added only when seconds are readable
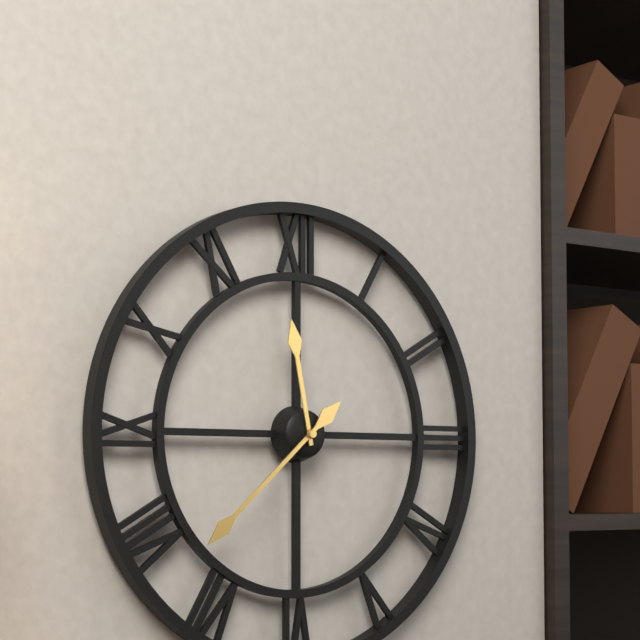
h=11 m=38
